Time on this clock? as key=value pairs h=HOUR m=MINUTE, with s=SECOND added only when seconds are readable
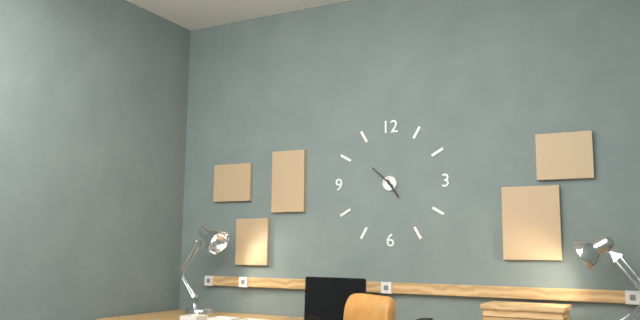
h=4 m=52
